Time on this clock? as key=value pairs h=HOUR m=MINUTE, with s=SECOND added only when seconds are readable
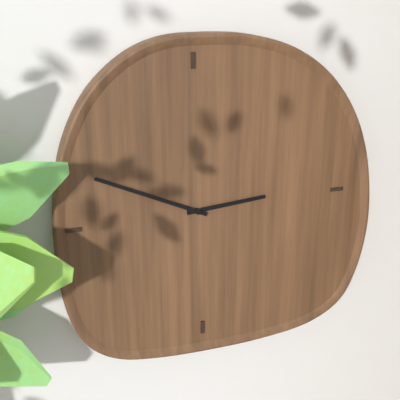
h=2 m=49
